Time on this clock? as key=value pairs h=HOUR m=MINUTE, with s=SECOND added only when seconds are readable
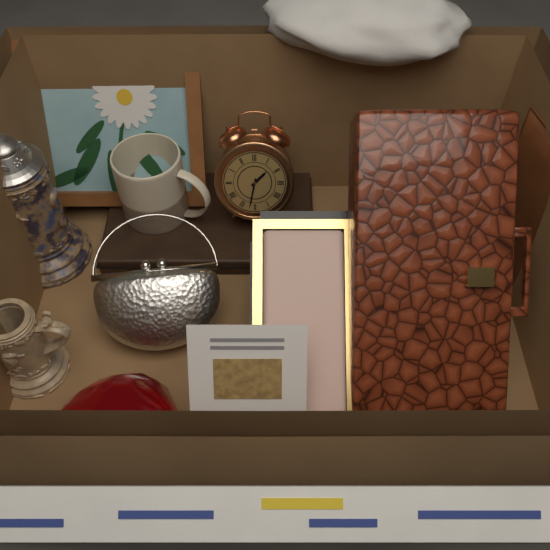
h=1 m=32
